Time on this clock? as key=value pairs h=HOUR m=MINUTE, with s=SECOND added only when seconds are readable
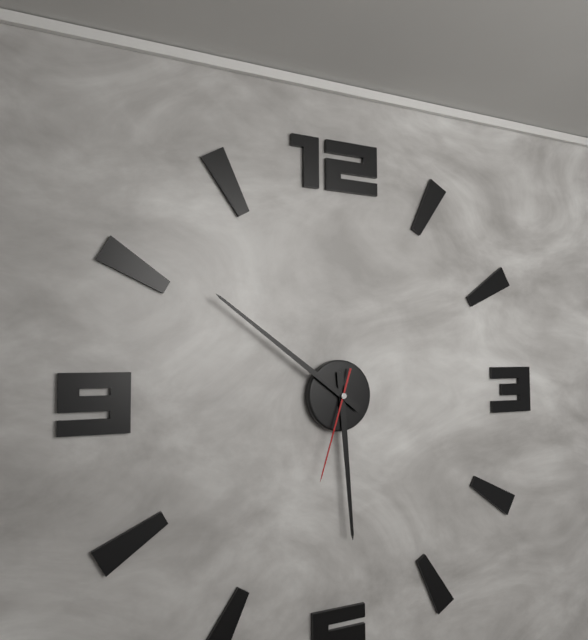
h=5 m=51 s=33
